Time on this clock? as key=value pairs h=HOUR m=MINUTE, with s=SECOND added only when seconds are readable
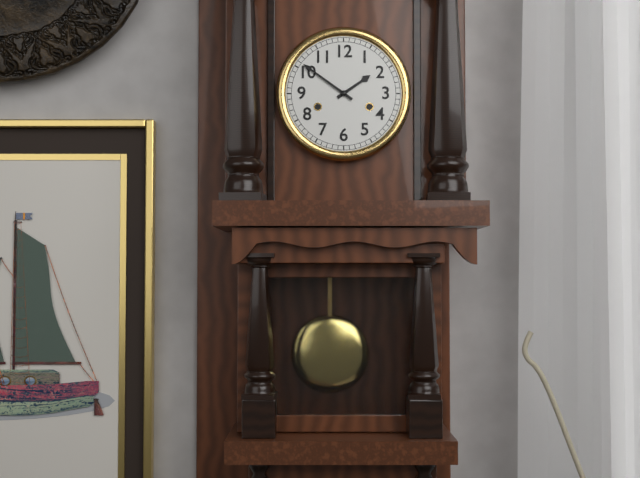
h=1 m=51
